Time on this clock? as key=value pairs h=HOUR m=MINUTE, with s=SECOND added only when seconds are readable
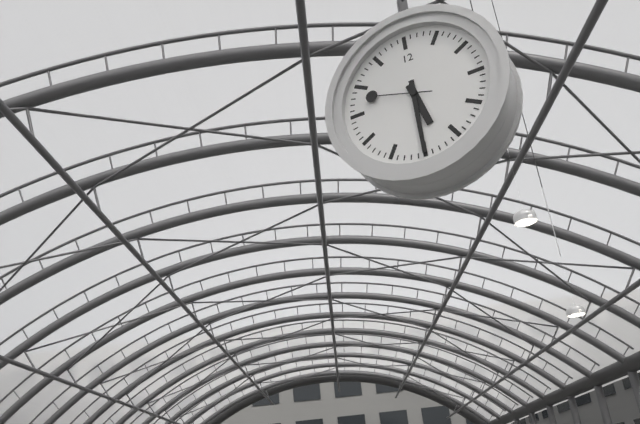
h=5 m=30 s=48
